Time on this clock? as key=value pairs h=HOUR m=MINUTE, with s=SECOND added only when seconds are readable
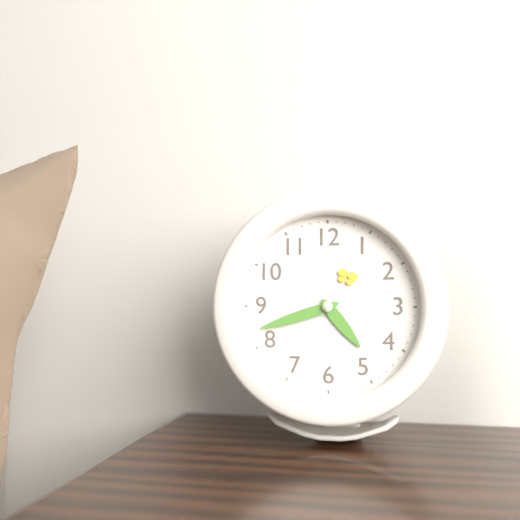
h=4 m=42
